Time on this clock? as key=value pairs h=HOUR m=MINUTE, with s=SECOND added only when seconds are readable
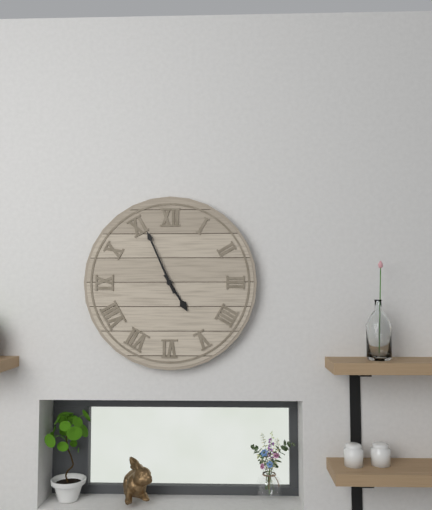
h=4 m=56
